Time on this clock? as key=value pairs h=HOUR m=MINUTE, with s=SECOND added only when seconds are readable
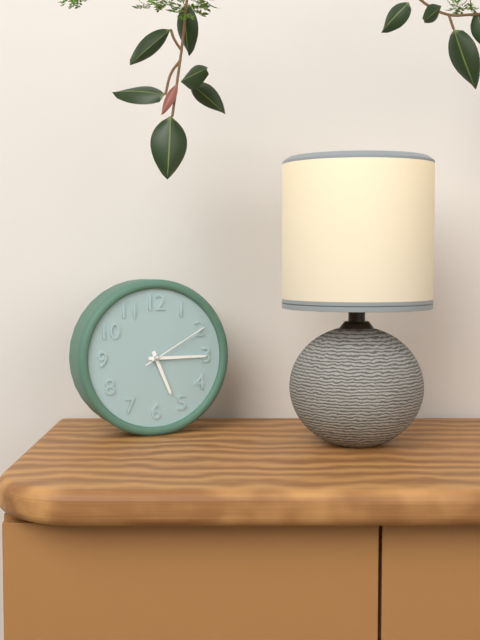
h=5 m=15 s=10
